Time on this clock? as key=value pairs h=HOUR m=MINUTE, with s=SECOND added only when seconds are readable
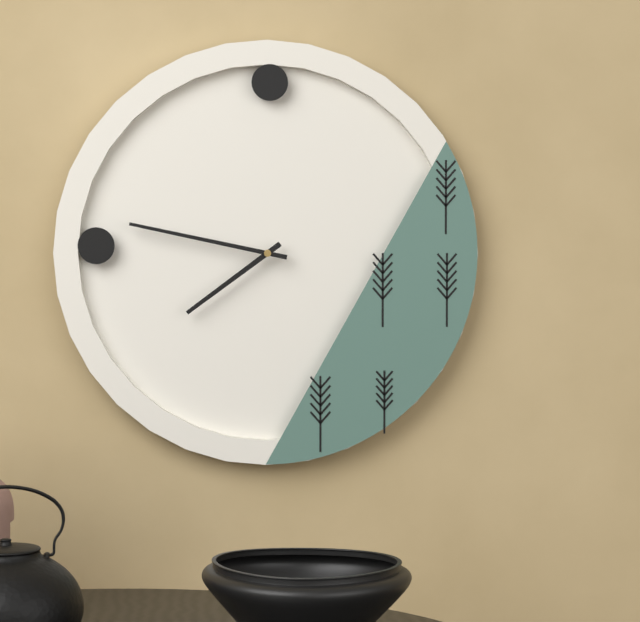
h=7 m=47
